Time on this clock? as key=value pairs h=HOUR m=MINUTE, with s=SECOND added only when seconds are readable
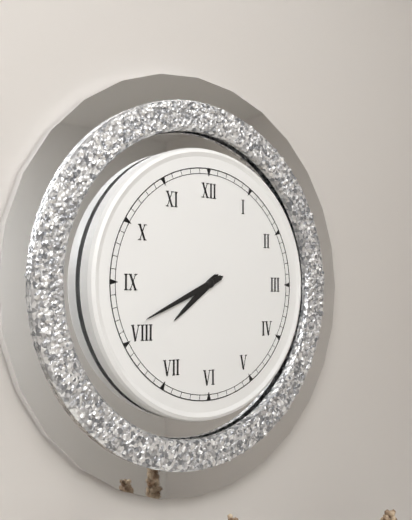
h=7 m=41
